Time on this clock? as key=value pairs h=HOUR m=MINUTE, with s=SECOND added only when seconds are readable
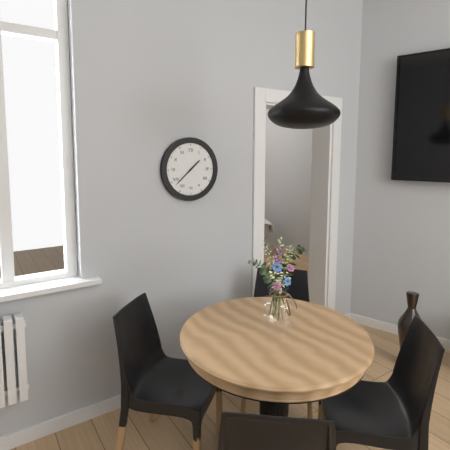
h=1 m=38
